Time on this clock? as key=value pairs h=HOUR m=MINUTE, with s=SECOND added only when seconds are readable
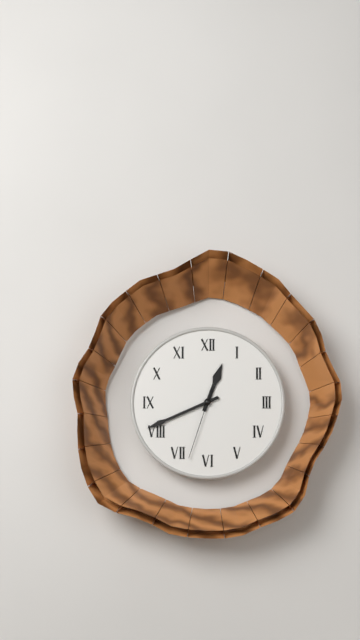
h=12 m=41 s=33
